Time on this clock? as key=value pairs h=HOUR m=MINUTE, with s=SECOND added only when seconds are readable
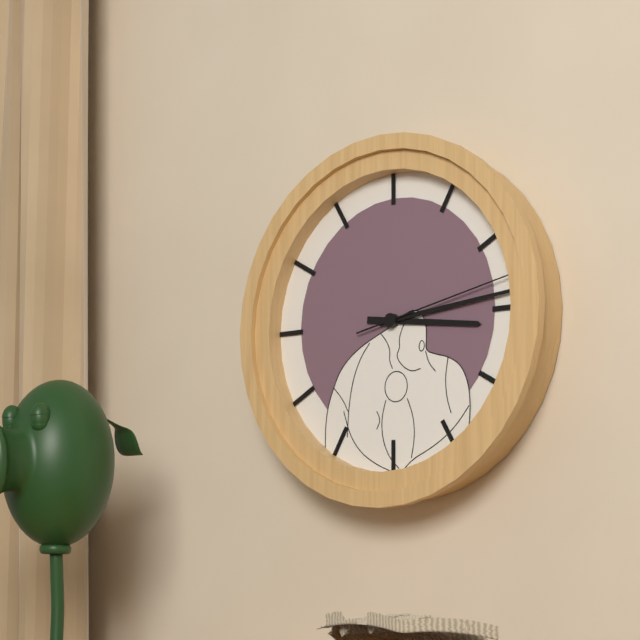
h=3 m=14 s=13
